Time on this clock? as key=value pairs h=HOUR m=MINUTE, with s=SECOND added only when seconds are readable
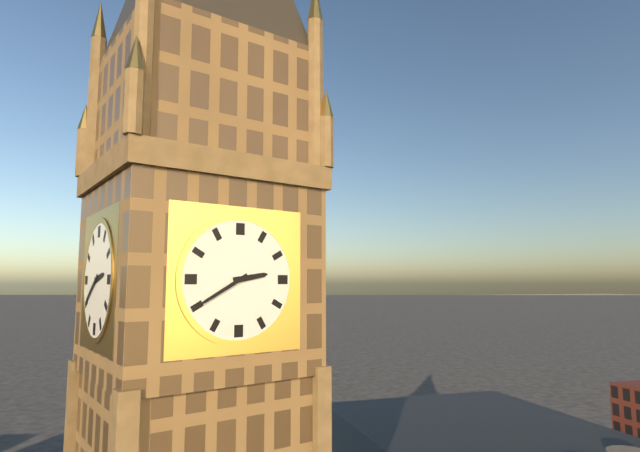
h=2 m=40
